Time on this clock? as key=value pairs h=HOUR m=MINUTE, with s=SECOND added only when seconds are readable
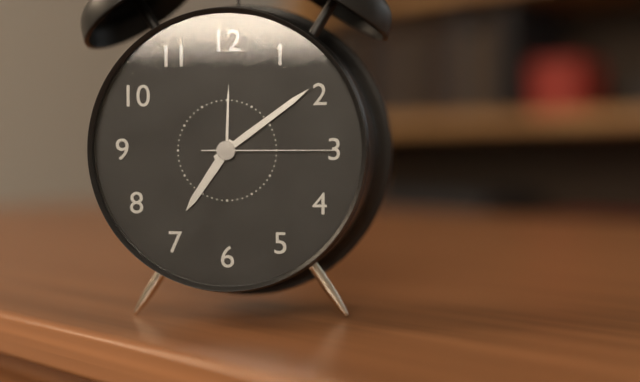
h=7 m=9 s=15
